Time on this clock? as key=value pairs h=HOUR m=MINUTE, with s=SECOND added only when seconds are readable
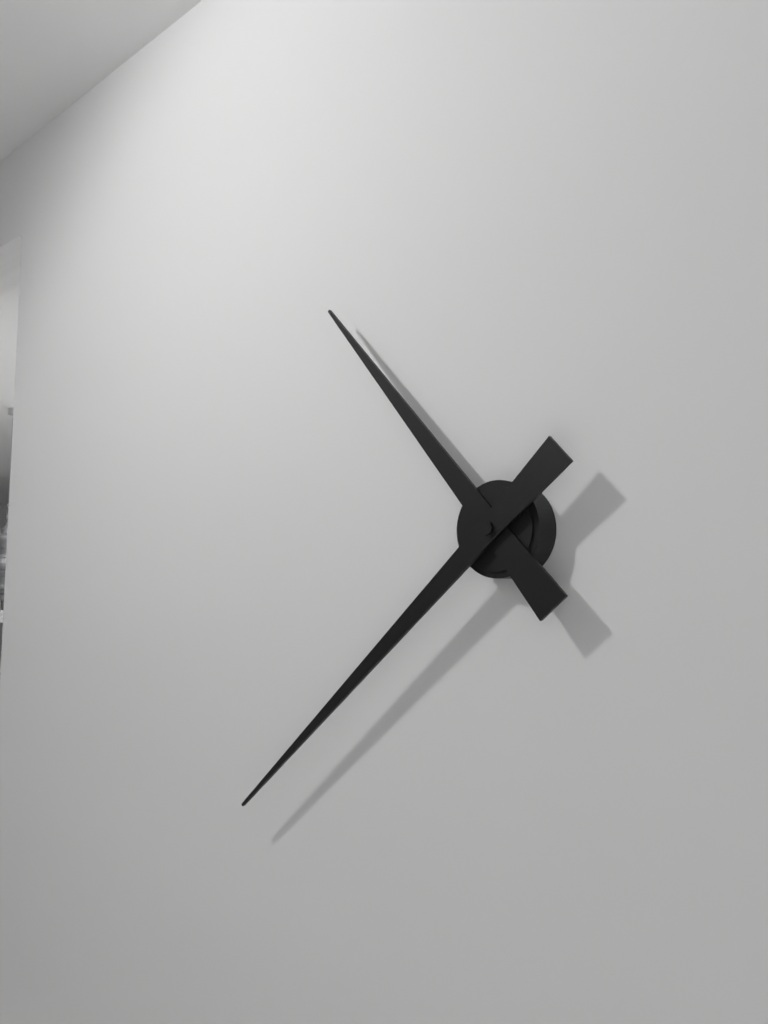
h=10 m=38
